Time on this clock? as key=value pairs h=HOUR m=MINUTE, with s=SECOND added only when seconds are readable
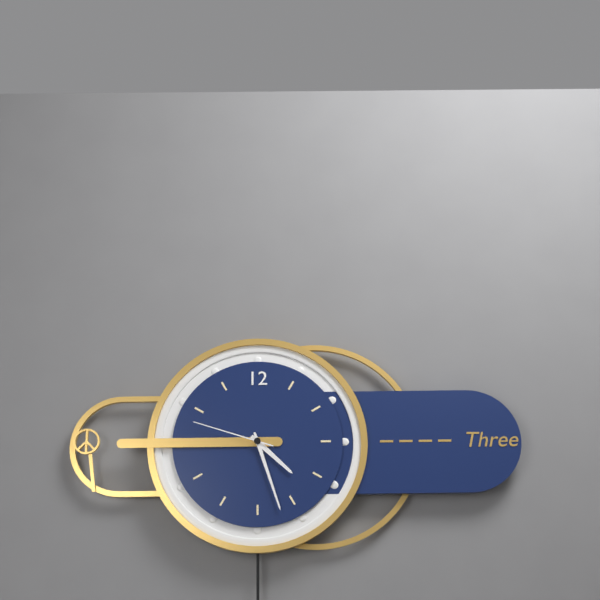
h=4 m=27 s=48
